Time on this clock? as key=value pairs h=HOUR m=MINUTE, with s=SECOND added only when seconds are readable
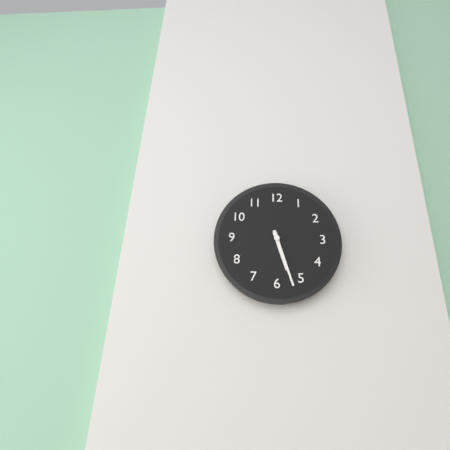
h=5 m=27
